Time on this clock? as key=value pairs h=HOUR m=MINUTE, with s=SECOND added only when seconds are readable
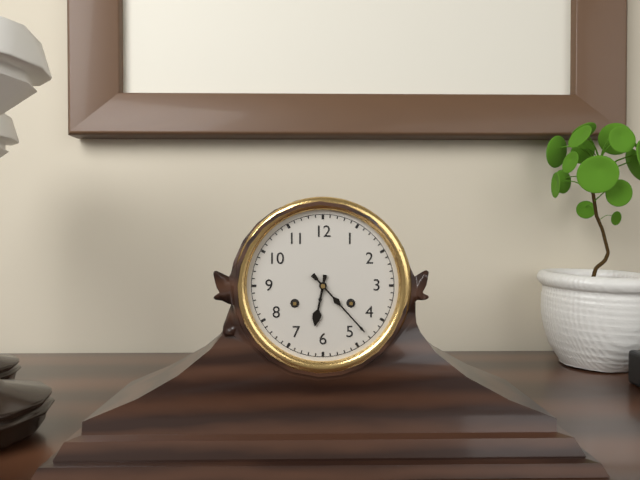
h=6 m=23
